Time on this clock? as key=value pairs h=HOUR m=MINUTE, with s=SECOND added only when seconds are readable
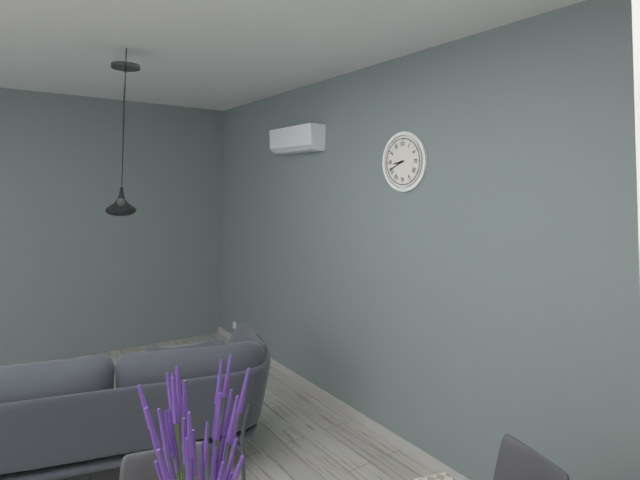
h=8 m=41
